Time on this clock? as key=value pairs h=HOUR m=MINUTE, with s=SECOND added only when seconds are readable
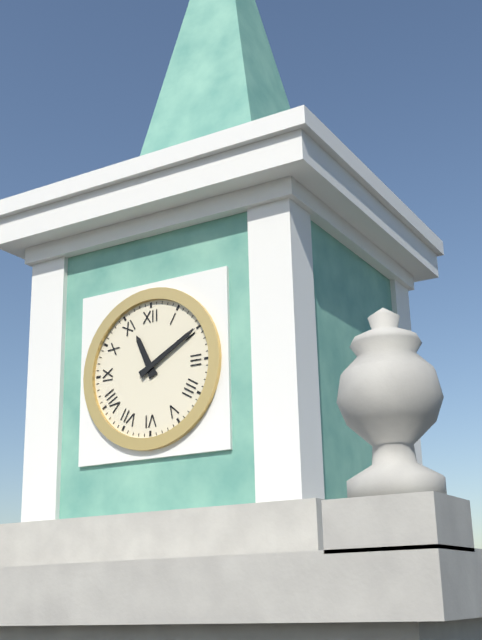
h=11 m=10
